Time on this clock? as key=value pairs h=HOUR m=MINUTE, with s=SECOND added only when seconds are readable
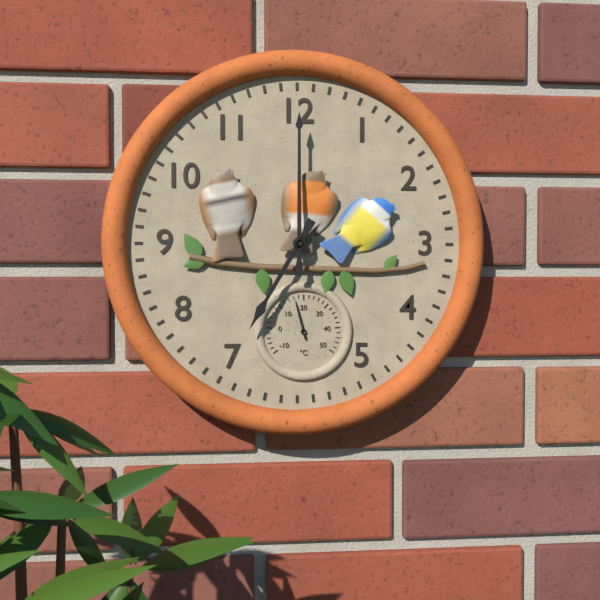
h=7 m=0
